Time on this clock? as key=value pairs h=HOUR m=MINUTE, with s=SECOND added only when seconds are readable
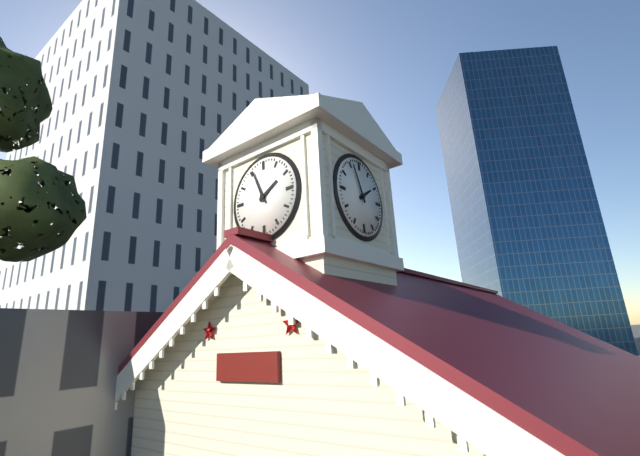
h=1 m=56
